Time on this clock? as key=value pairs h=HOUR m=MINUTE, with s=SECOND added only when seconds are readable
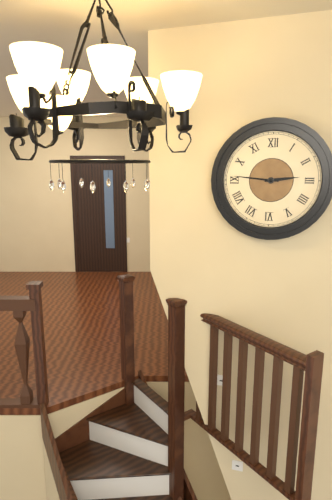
h=2 m=46
